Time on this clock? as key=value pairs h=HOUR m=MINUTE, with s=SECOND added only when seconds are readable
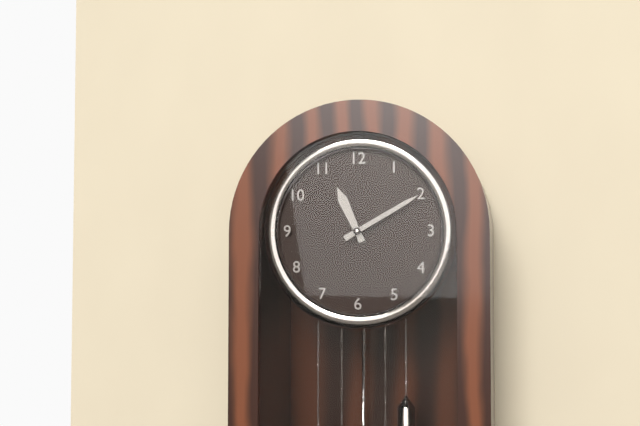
h=11 m=10
